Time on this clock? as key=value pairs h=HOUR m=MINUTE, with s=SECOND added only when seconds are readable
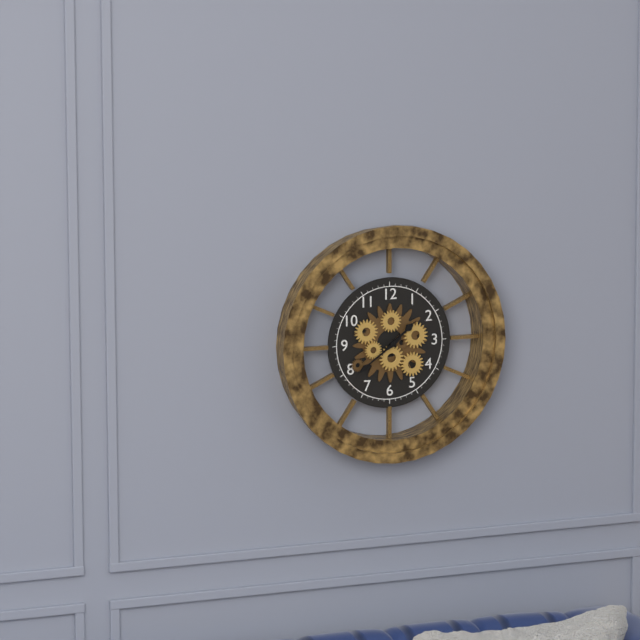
h=1 m=39
